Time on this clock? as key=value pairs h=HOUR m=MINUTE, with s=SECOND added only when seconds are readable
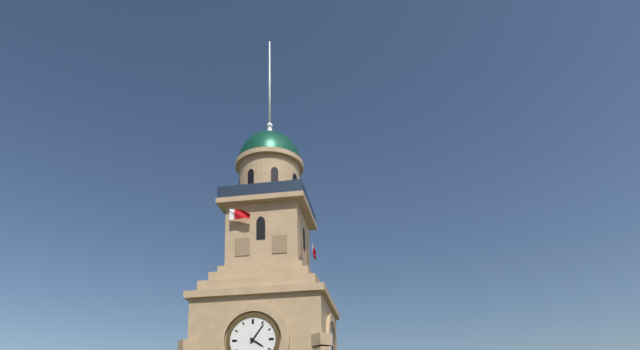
h=4 m=6
